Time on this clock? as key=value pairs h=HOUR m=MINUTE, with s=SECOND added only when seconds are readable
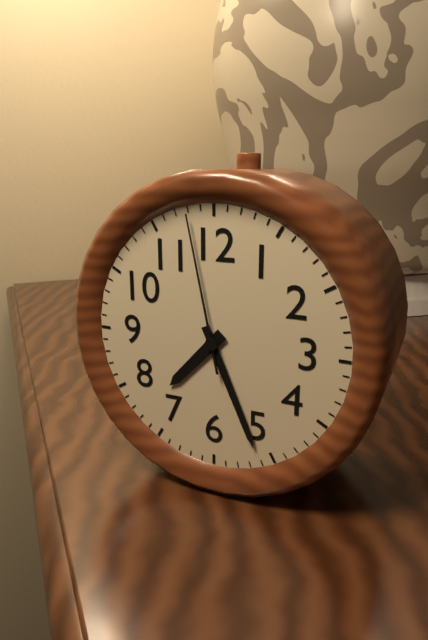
h=7 m=26 s=58
